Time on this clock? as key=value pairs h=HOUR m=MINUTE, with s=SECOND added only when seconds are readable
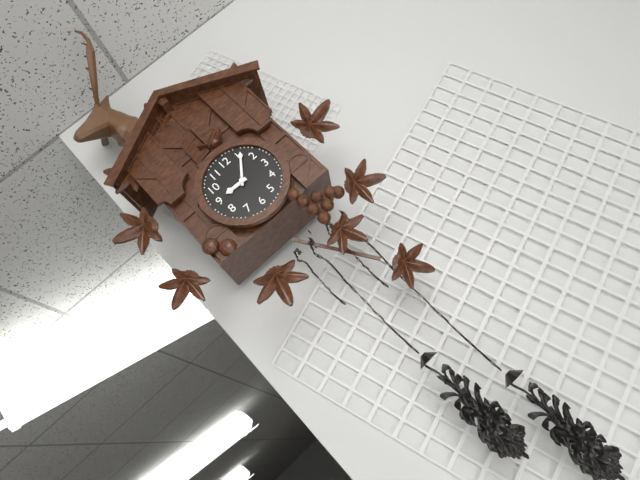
h=9 m=6
